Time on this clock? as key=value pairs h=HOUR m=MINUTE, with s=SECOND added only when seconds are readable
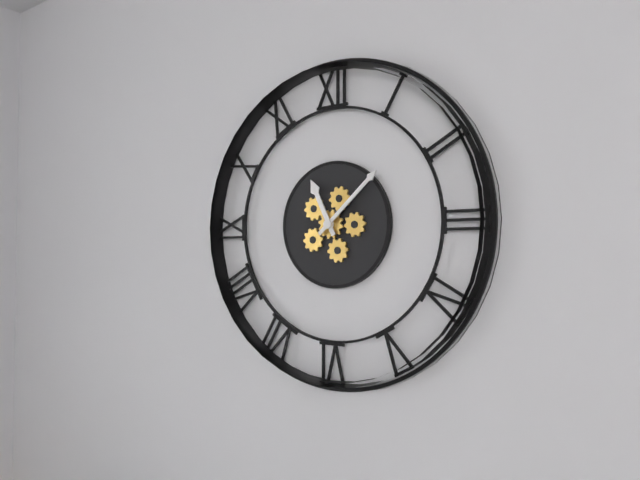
h=11 m=8
